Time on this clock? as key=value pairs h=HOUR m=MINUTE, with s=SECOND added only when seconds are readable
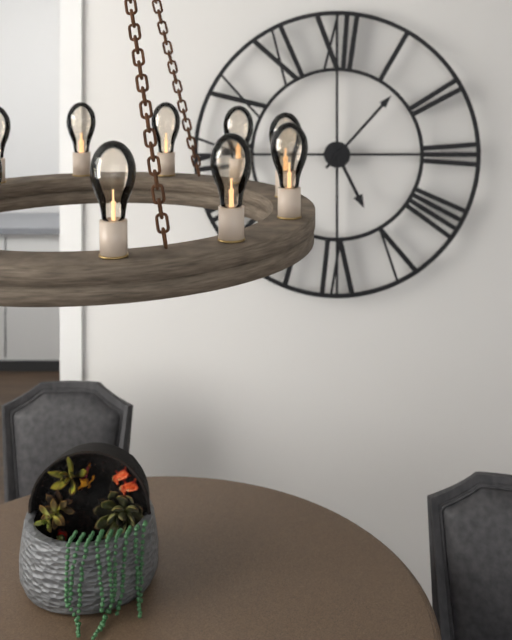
h=5 m=7
